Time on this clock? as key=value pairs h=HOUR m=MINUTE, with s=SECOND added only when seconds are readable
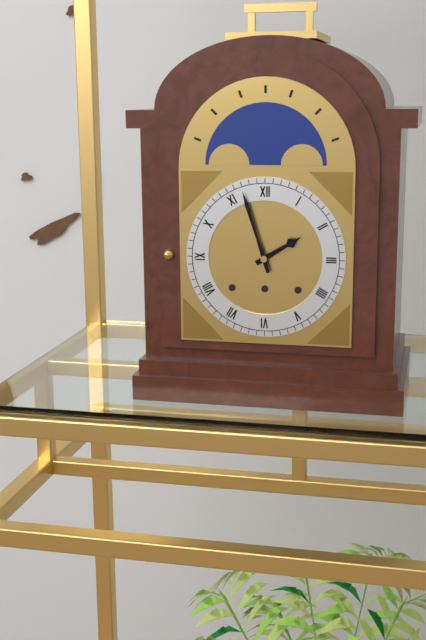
h=1 m=57
